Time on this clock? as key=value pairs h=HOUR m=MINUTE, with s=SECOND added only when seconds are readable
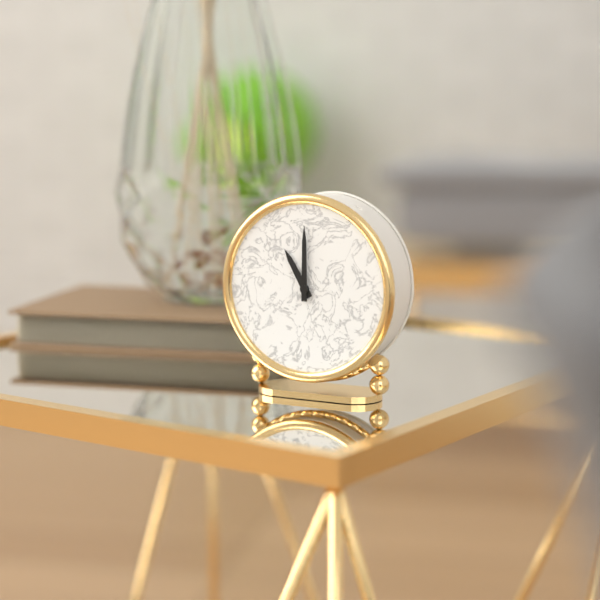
h=11 m=0
